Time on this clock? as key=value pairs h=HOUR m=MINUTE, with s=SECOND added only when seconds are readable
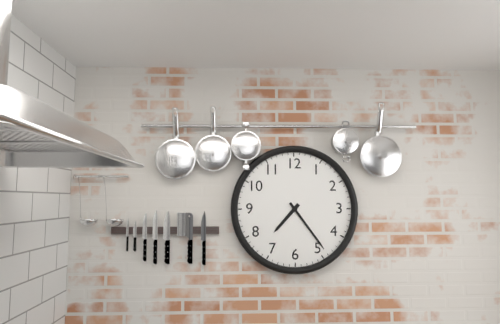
h=7 m=24
